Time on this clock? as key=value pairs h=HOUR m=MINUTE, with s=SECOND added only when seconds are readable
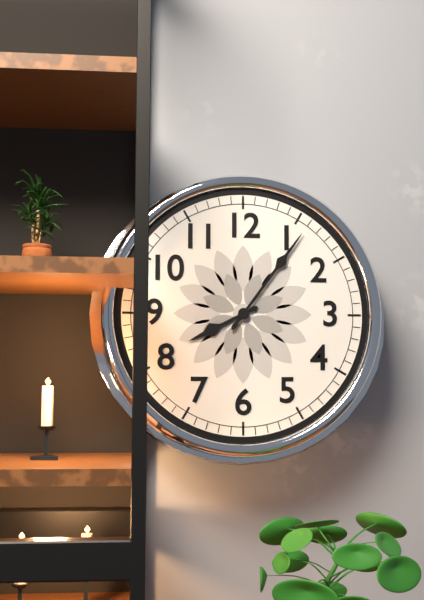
h=8 m=6
